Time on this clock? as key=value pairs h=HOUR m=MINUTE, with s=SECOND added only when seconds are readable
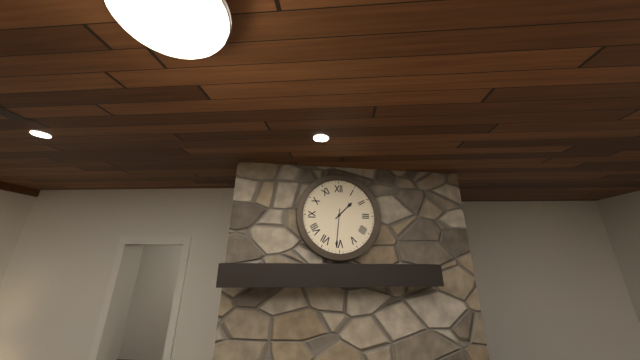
h=1 m=31
